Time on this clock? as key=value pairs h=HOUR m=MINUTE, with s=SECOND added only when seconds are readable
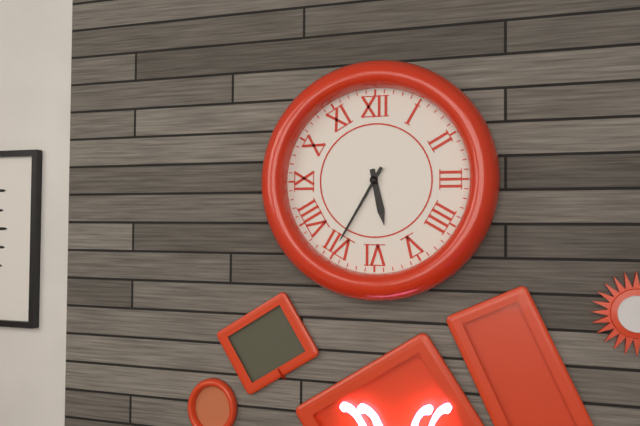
h=5 m=35
